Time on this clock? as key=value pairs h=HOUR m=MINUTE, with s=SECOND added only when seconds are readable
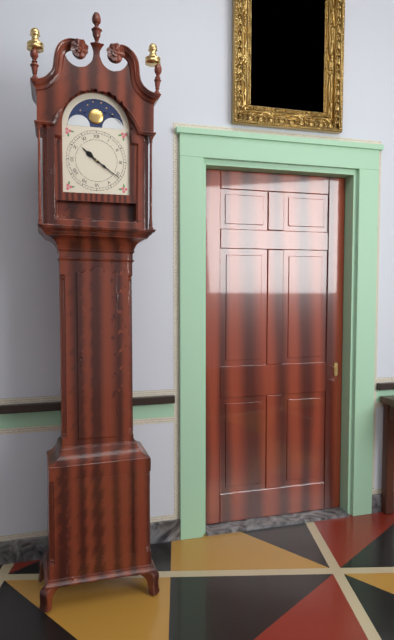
h=10 m=21
